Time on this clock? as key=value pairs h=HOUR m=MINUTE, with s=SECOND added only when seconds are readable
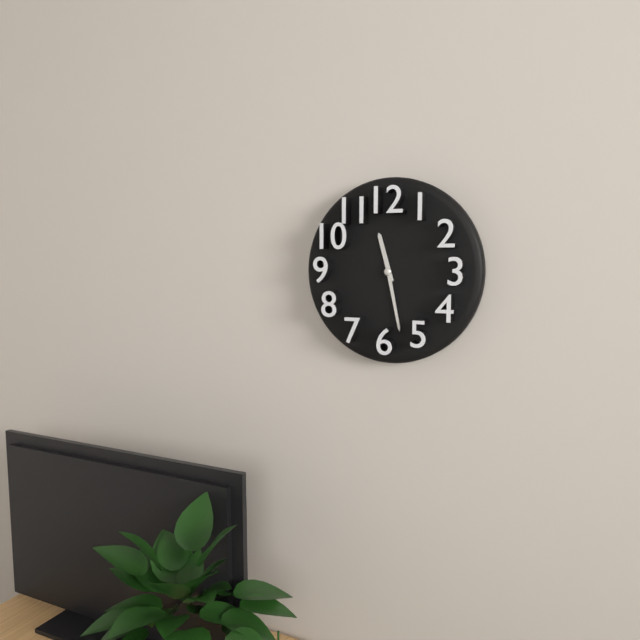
h=11 m=28
